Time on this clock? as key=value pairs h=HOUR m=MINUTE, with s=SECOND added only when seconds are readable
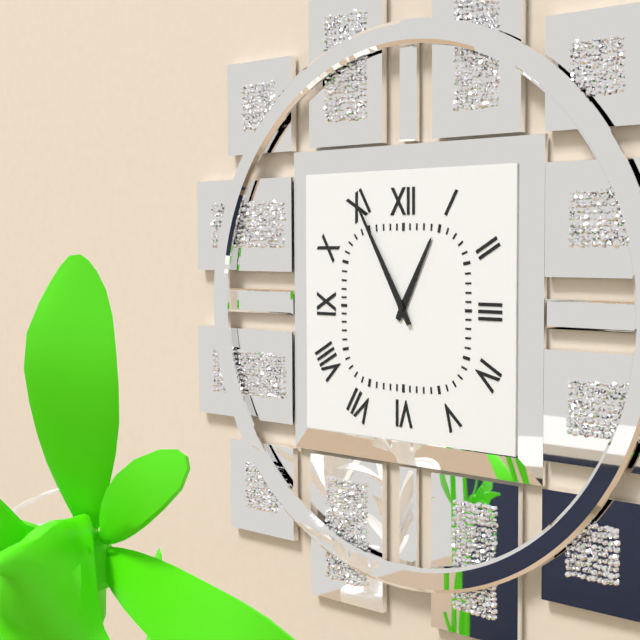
h=12 m=55
